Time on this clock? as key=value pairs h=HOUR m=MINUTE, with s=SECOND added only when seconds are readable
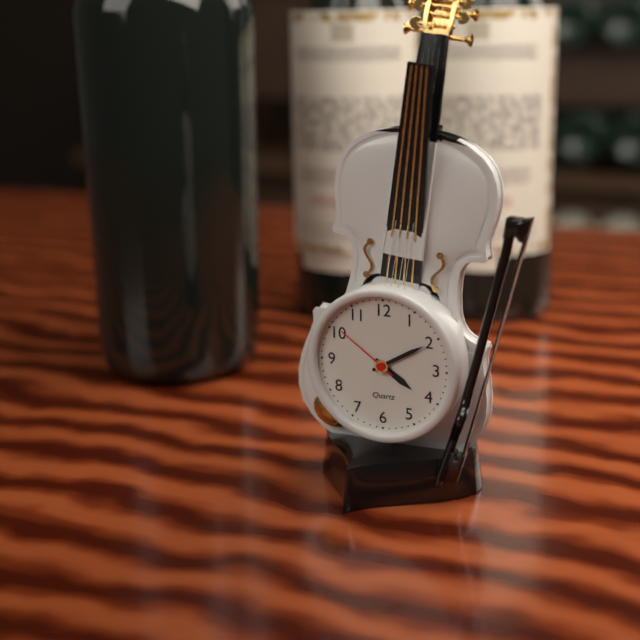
h=4 m=10 s=51
